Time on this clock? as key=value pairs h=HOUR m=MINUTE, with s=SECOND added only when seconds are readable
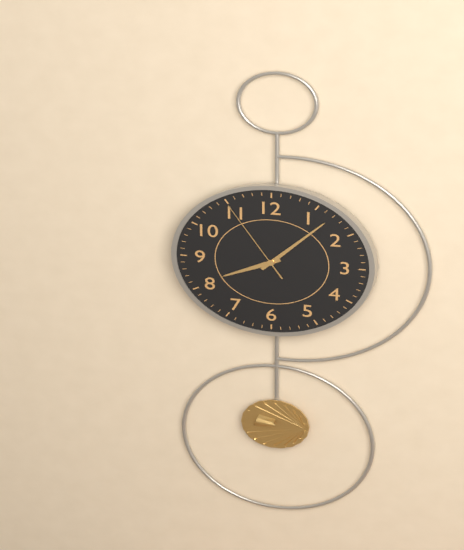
h=8 m=7 s=55
